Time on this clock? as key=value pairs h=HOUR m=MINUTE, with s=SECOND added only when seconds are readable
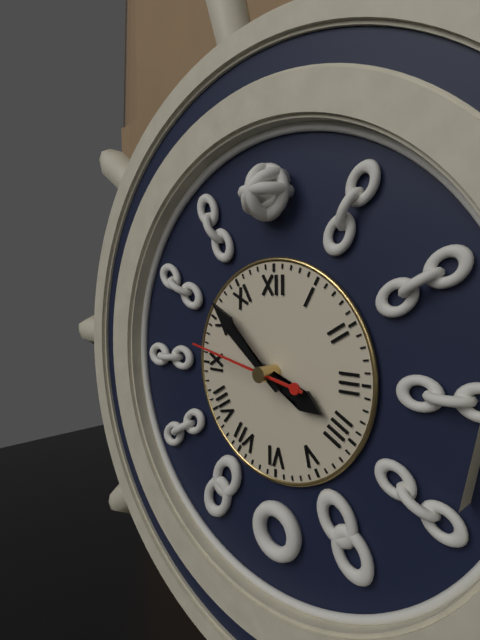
h=3 m=52 s=47
